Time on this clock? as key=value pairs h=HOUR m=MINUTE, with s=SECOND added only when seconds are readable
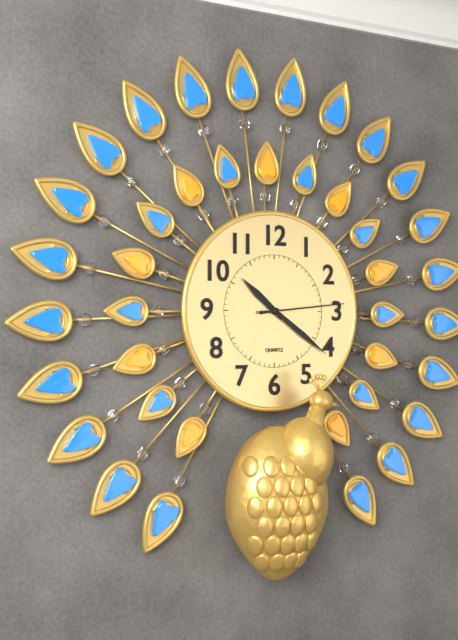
h=10 m=21 s=14
